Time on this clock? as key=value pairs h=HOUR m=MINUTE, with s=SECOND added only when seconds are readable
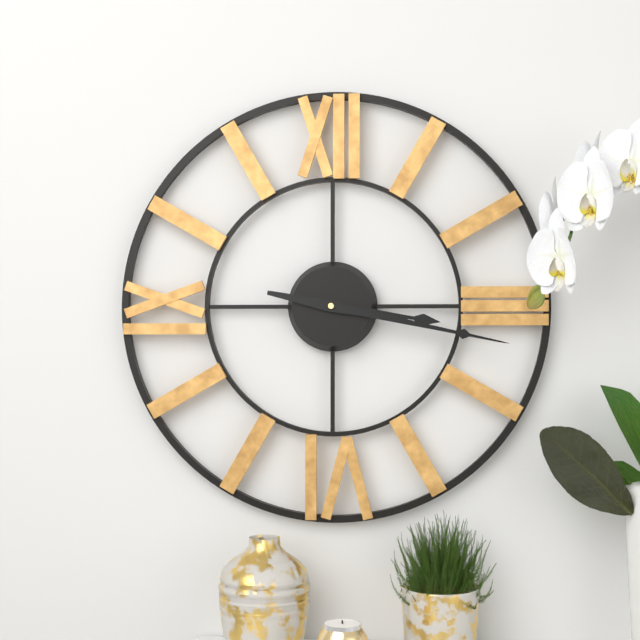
h=3 m=17
